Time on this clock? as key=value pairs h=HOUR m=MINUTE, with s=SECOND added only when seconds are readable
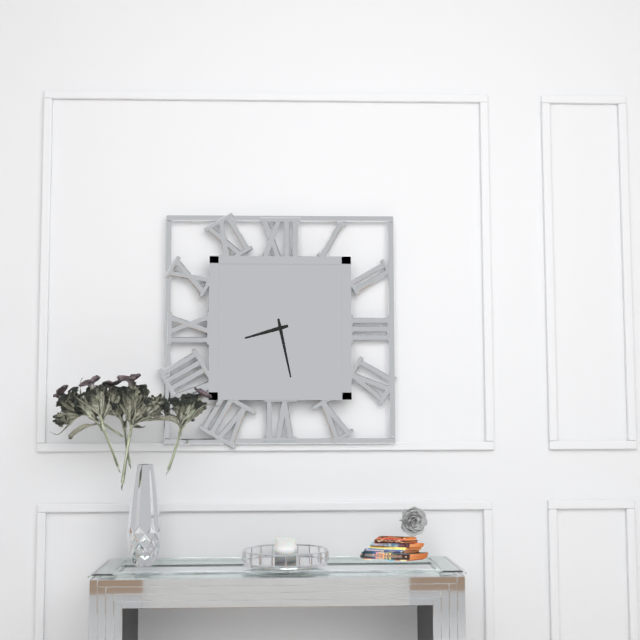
h=8 m=28
